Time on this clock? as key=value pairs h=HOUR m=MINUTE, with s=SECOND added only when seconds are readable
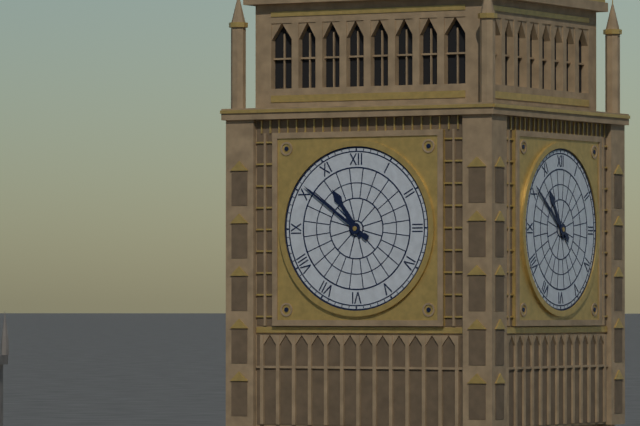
h=10 m=51
